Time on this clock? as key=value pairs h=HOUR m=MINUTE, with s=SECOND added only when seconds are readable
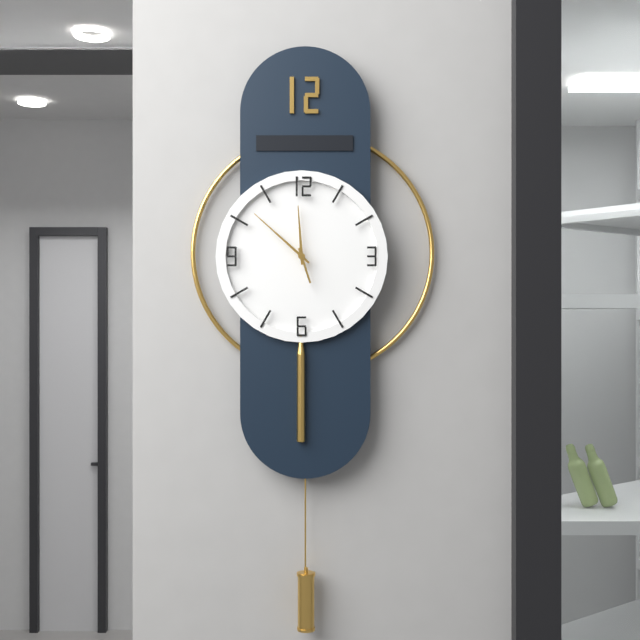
h=11 m=52
